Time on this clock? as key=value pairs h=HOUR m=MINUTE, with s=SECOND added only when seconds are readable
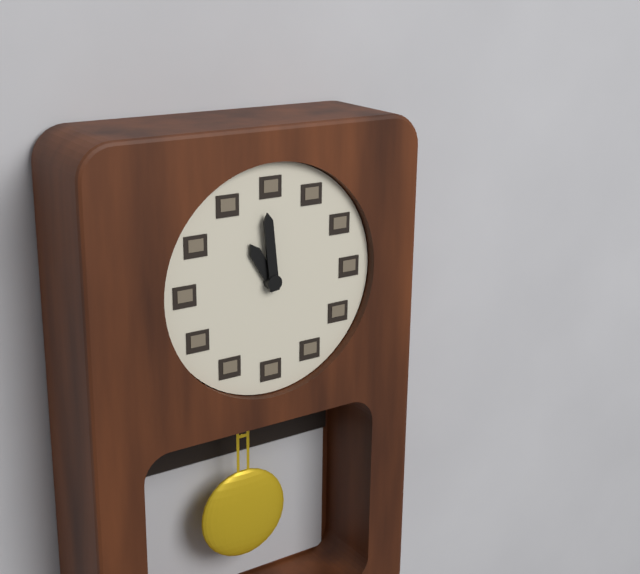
h=10 m=59
